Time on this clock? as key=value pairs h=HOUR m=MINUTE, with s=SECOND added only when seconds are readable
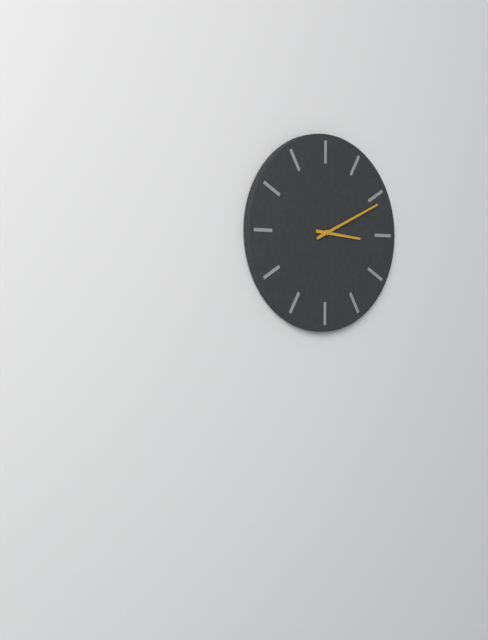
h=3 m=11
